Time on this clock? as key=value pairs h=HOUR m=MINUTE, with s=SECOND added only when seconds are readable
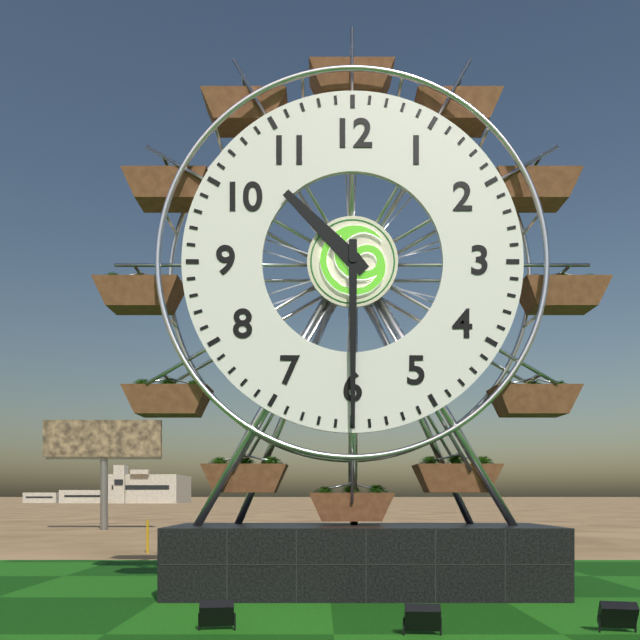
h=10 m=30
